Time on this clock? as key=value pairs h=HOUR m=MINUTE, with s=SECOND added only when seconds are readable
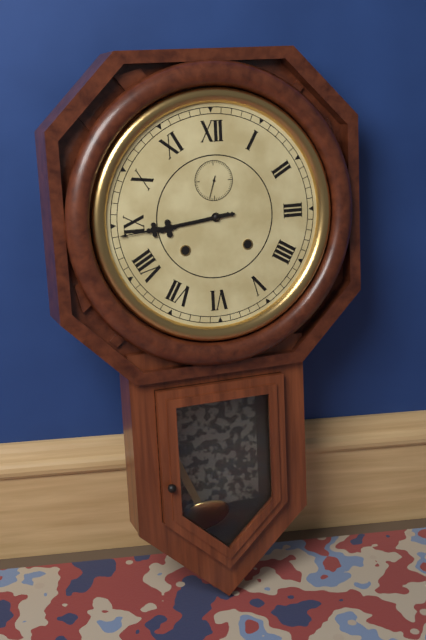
h=8 m=44
